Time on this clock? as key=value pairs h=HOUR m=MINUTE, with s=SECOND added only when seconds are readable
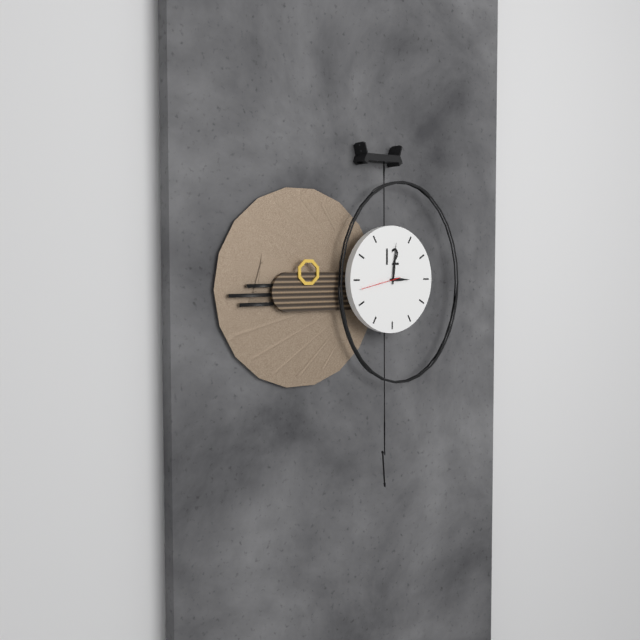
h=3 m=1
